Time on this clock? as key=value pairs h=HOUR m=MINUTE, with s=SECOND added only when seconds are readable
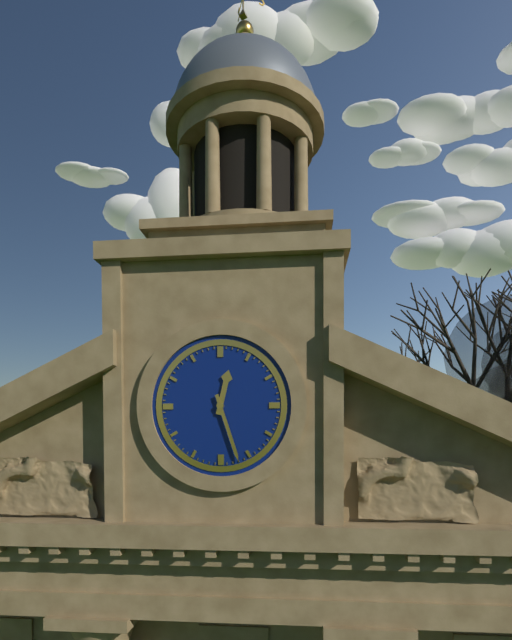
h=12 m=27
